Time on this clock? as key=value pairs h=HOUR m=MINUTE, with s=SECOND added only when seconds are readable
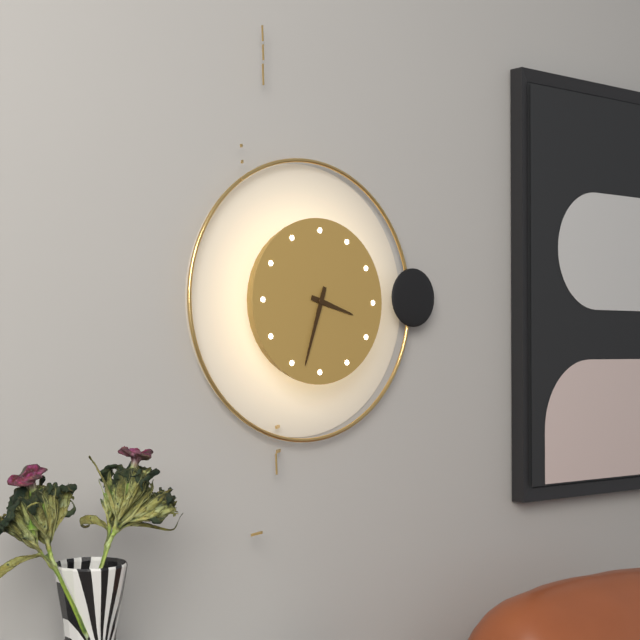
h=3 m=33
